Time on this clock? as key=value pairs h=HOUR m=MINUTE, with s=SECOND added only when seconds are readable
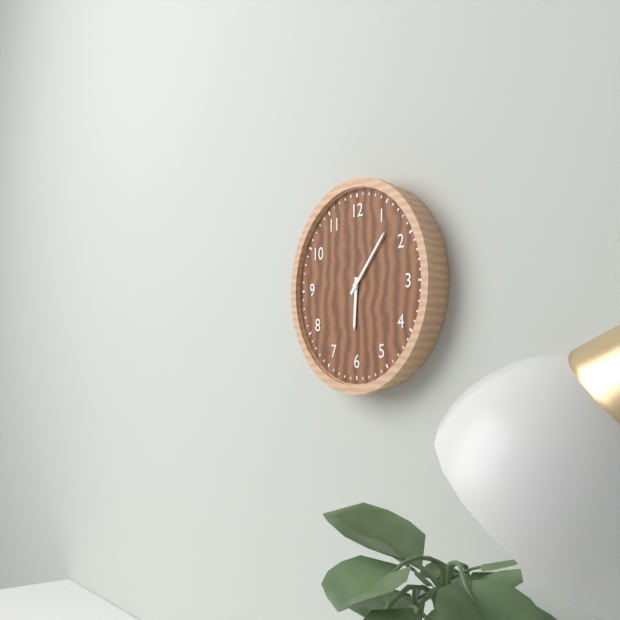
h=6 m=7
